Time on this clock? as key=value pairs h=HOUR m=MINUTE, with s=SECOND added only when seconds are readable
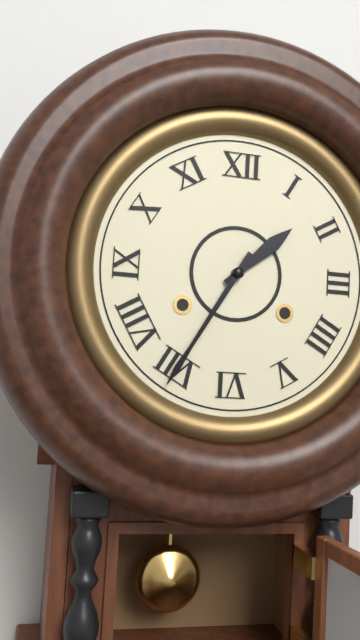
h=1 m=35
